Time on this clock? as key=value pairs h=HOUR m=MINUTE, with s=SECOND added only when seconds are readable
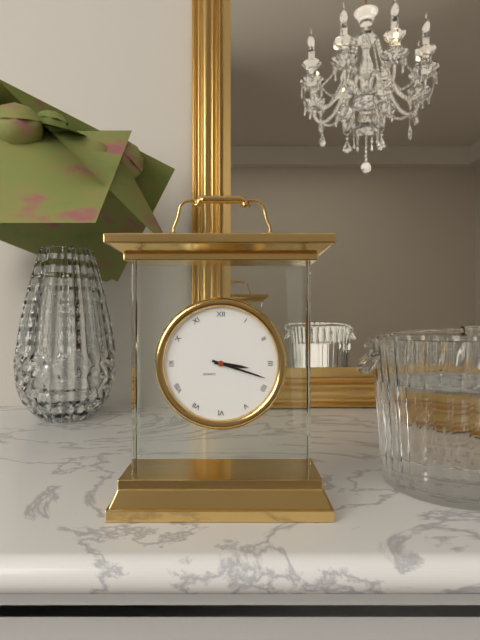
h=3 m=18
